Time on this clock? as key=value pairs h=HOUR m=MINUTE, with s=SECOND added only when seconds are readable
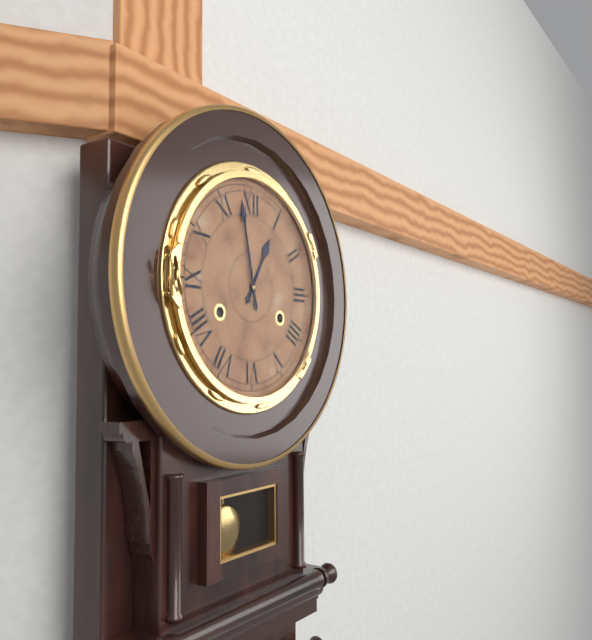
h=12 m=58
